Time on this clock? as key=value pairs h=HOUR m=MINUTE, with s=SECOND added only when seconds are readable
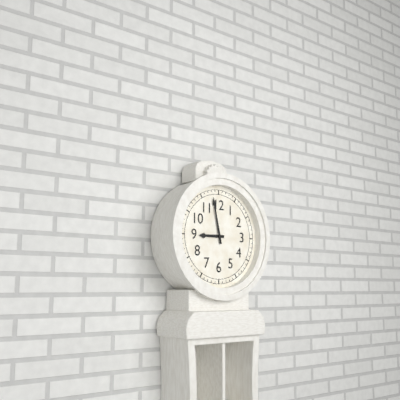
h=8 m=58
